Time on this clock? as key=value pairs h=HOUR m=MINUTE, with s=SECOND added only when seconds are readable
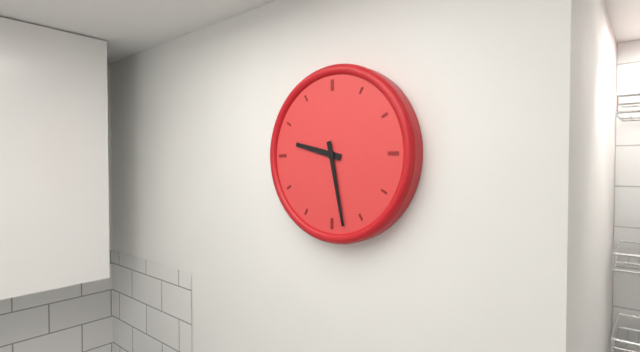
h=9 m=28
